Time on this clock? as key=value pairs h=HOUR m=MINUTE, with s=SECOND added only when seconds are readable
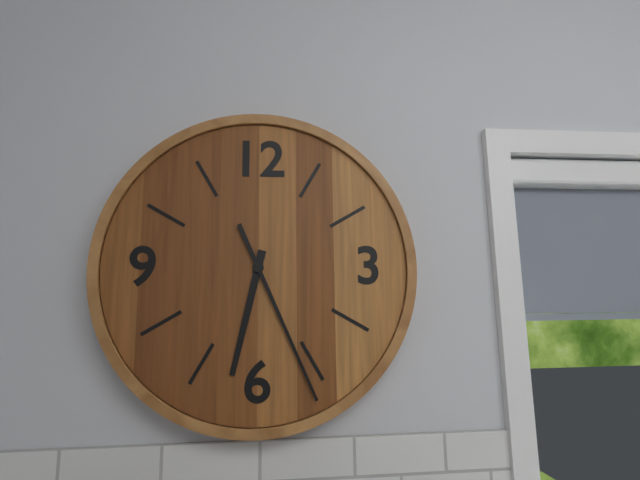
h=6 m=26
